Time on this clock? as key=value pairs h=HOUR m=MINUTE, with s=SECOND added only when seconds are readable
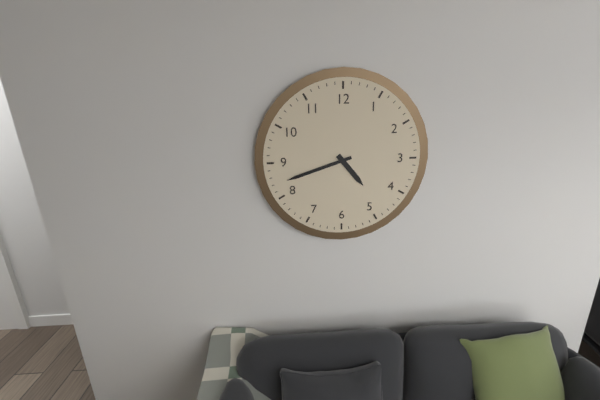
h=4 m=42
